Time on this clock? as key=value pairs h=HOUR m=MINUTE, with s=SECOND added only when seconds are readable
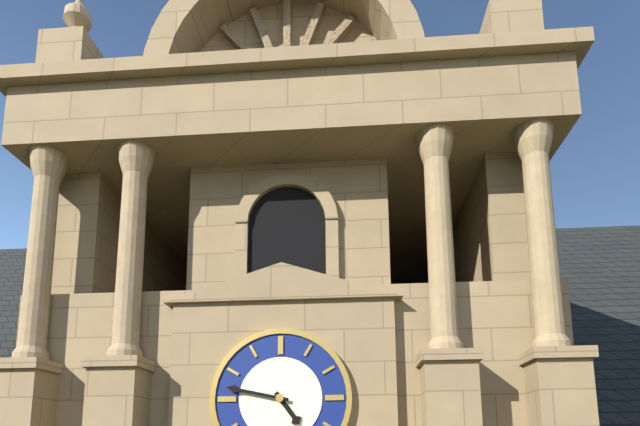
h=4 m=47
